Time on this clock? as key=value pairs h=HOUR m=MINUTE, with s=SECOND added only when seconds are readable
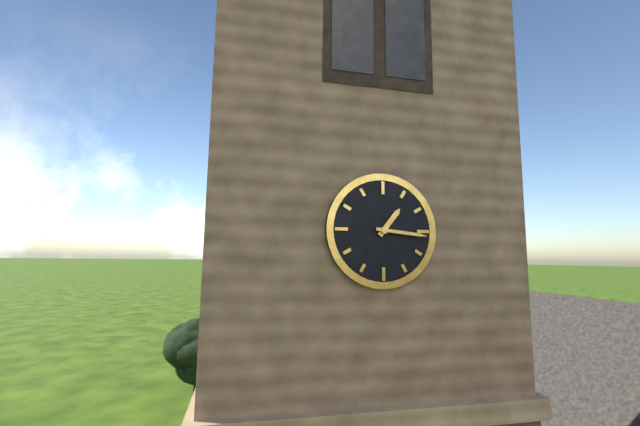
h=1 m=16
